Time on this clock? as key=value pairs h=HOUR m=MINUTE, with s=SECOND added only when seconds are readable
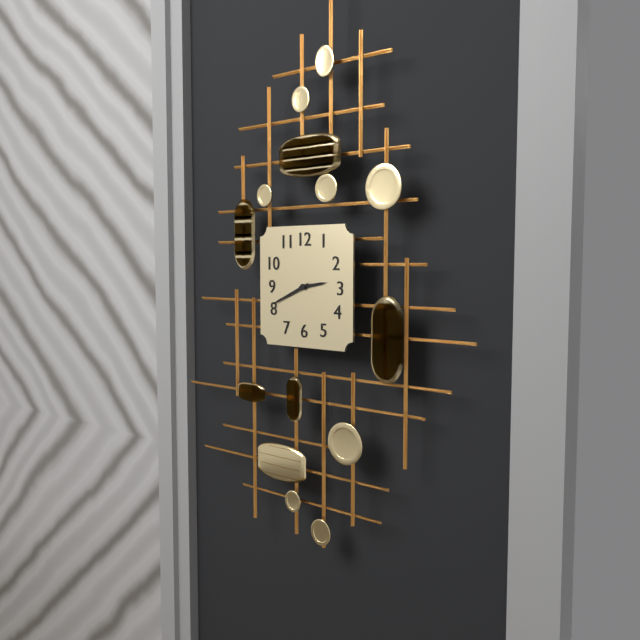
h=2 m=41
